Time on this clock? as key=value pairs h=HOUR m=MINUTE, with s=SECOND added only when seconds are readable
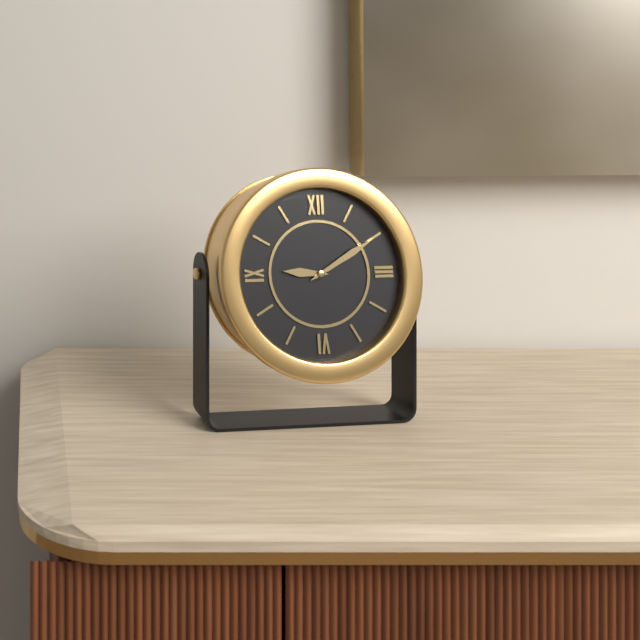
h=9 m=10
